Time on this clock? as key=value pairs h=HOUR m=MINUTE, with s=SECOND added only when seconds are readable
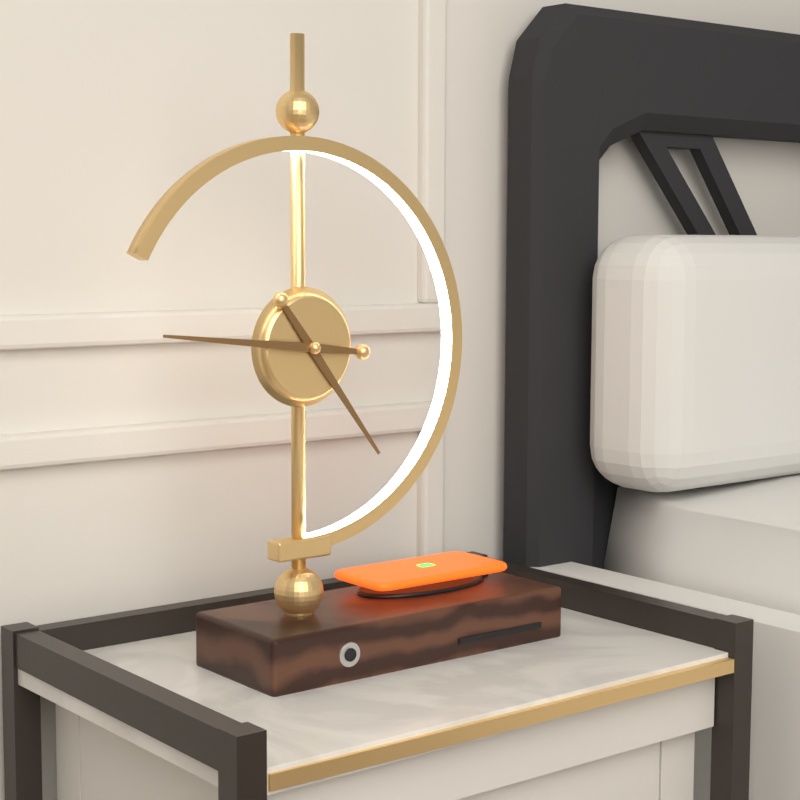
h=4 m=46
